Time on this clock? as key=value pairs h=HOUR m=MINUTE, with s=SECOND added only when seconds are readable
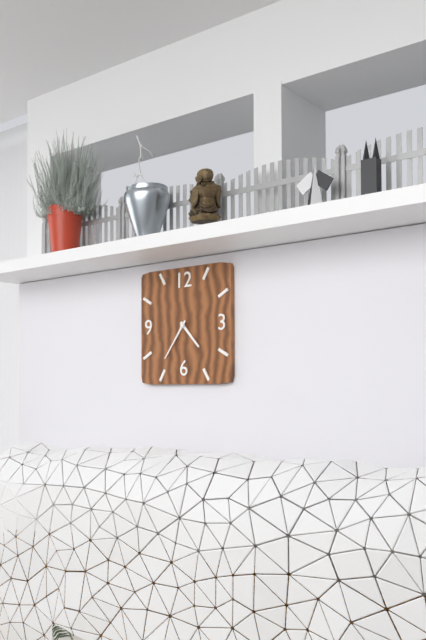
h=4 m=36
